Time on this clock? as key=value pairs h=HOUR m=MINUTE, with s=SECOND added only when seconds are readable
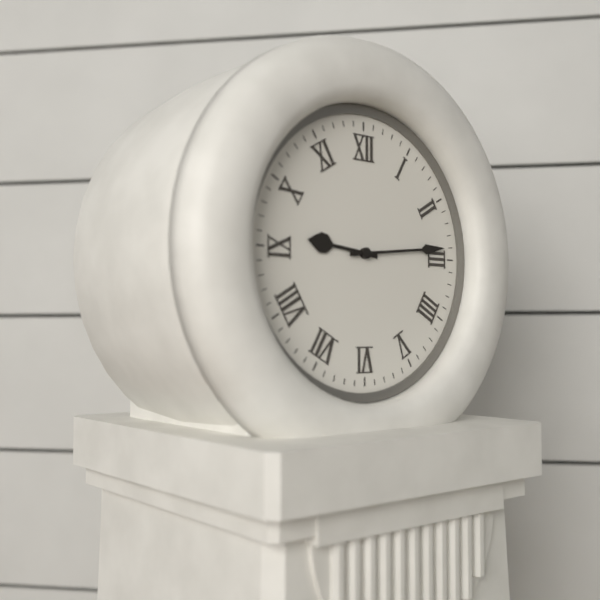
h=9 m=14
